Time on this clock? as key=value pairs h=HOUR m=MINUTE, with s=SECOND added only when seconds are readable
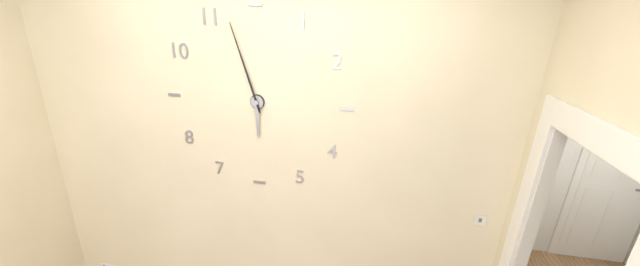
h=5 m=57
